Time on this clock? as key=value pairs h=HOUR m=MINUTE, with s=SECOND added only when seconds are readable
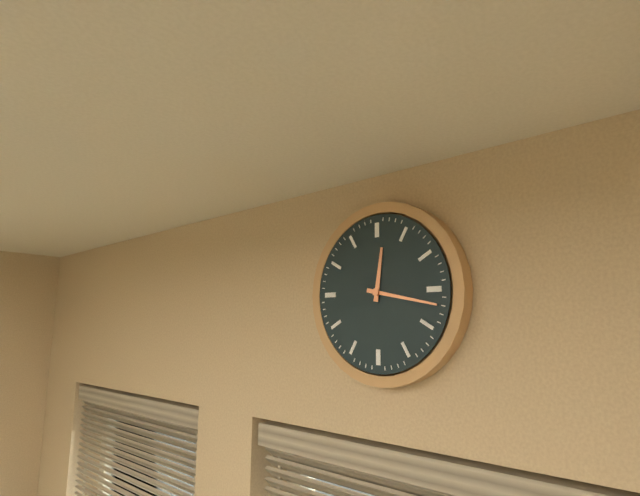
h=12 m=17
